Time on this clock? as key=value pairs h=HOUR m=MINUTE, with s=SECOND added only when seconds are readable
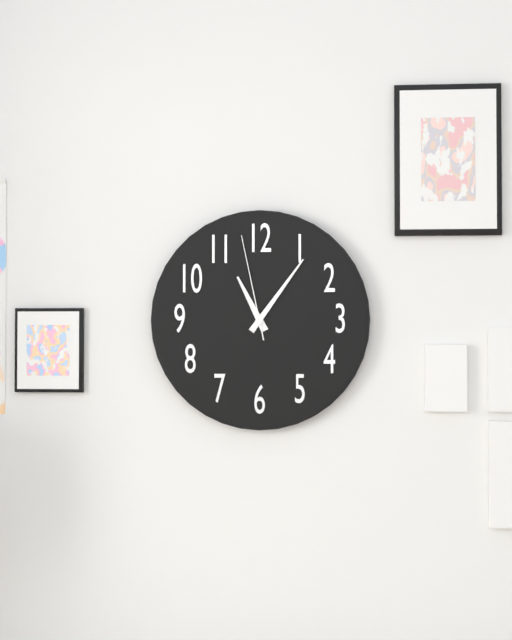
h=11 m=6 s=58
